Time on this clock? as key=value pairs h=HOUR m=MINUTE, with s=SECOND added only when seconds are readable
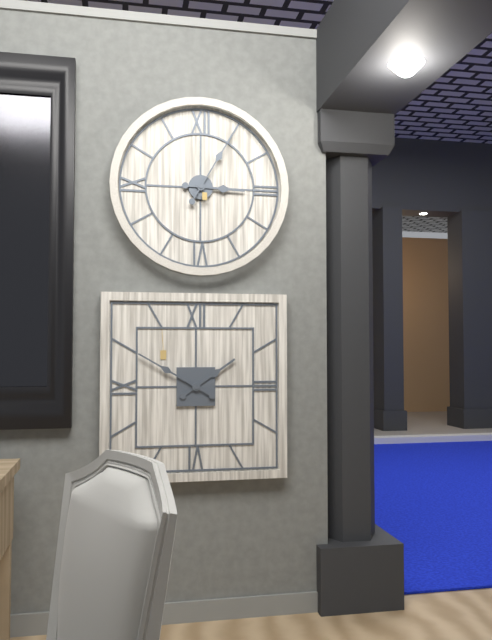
h=3 m=5
